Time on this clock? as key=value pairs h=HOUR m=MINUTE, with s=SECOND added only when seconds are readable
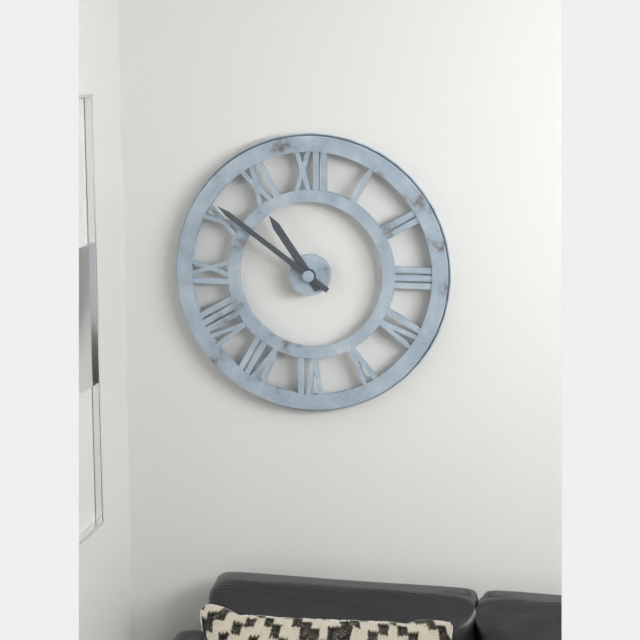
h=10 m=51
